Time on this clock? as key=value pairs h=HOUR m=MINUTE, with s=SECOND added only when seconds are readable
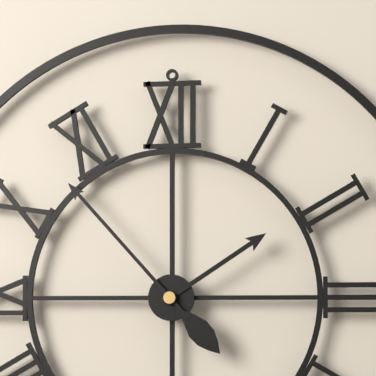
h=1 m=53
